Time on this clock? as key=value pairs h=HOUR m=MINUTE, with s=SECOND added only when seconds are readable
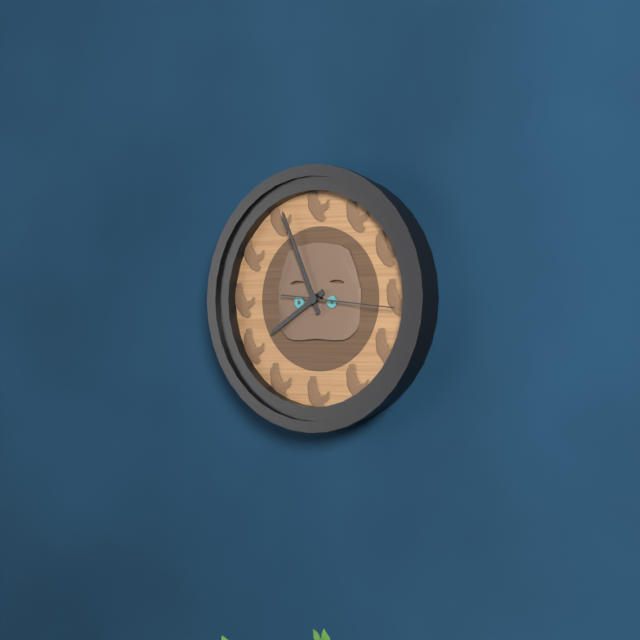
h=7 m=56 s=16
